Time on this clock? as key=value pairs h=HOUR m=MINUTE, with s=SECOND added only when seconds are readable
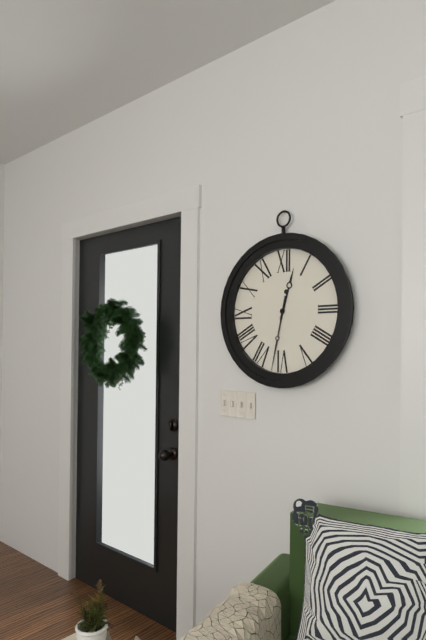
h=12 m=32
